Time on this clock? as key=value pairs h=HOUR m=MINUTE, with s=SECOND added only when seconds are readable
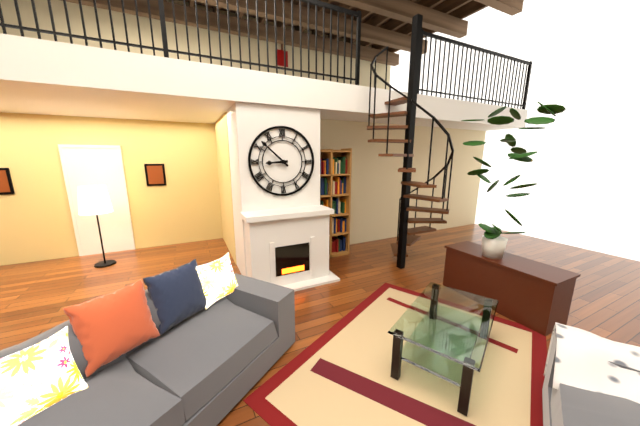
h=8 m=52
